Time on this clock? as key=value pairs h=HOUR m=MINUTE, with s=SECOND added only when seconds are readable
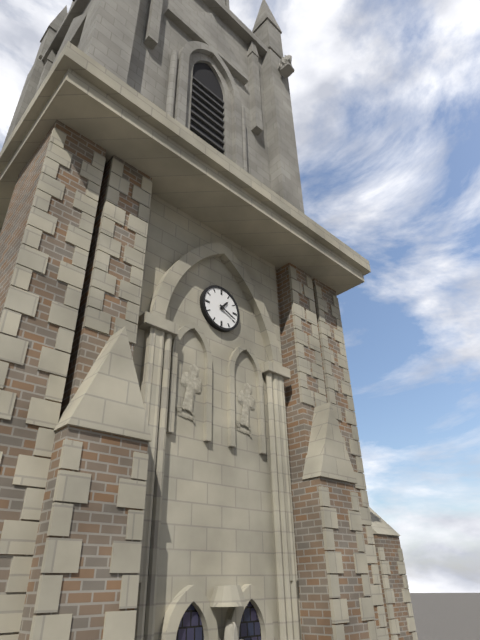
h=1 m=19
